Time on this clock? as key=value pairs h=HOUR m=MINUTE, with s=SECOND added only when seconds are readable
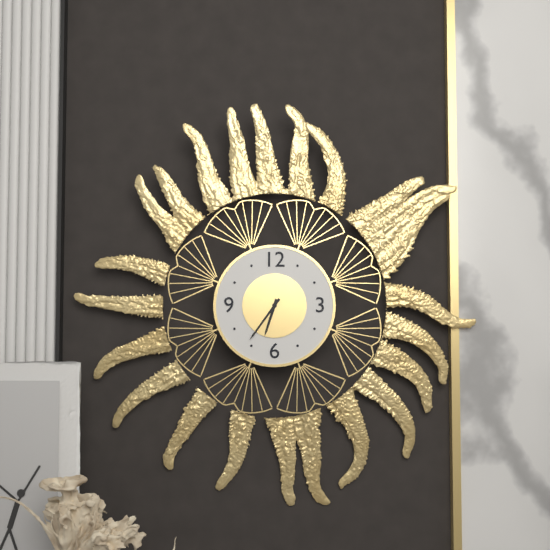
h=6 m=36
